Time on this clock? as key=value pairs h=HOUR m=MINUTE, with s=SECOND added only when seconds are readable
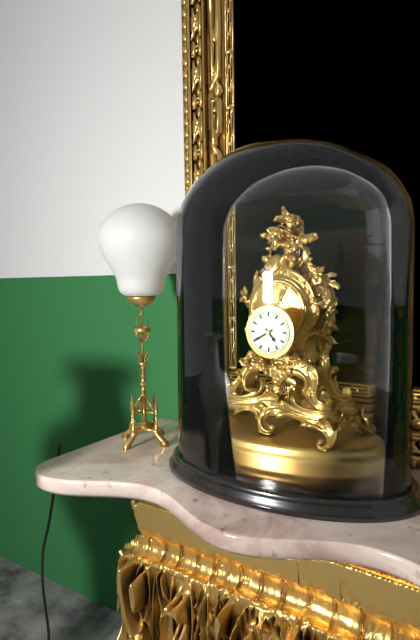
h=4 m=40
